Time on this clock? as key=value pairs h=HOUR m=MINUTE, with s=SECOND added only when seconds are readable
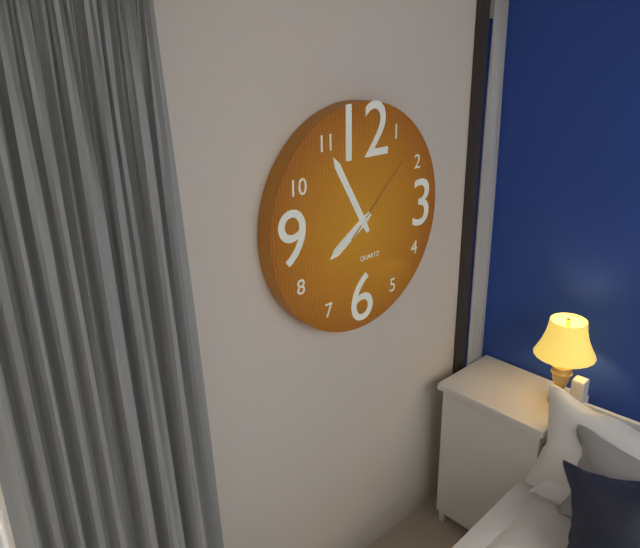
h=7 m=55 s=8
